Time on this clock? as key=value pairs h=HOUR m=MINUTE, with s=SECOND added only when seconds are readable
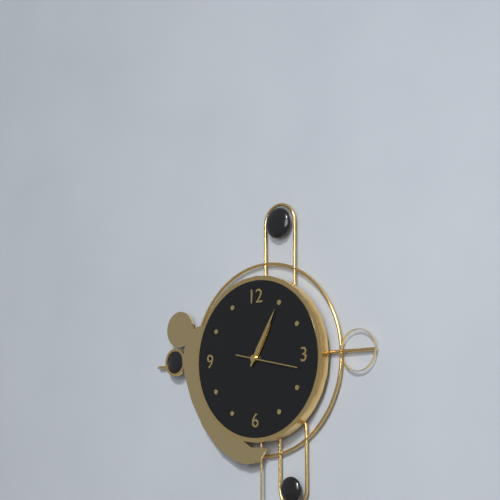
h=1 m=5
